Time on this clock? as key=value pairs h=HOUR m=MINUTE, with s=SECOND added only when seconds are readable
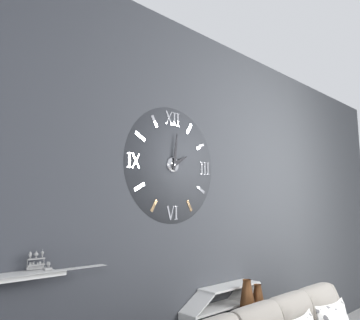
h=2 m=1
